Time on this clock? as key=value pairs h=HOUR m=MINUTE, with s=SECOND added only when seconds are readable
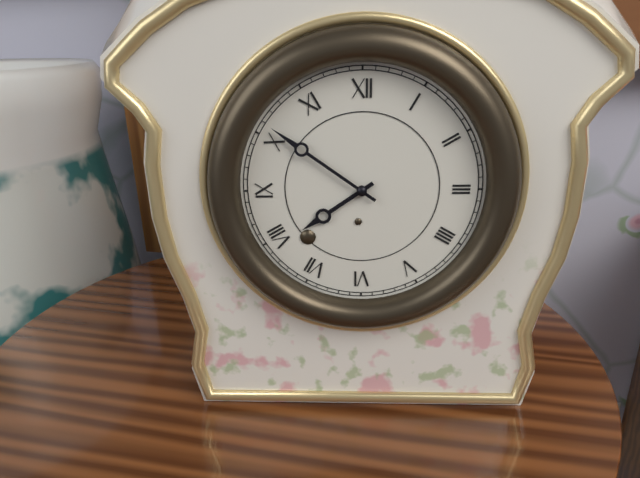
h=7 m=51
